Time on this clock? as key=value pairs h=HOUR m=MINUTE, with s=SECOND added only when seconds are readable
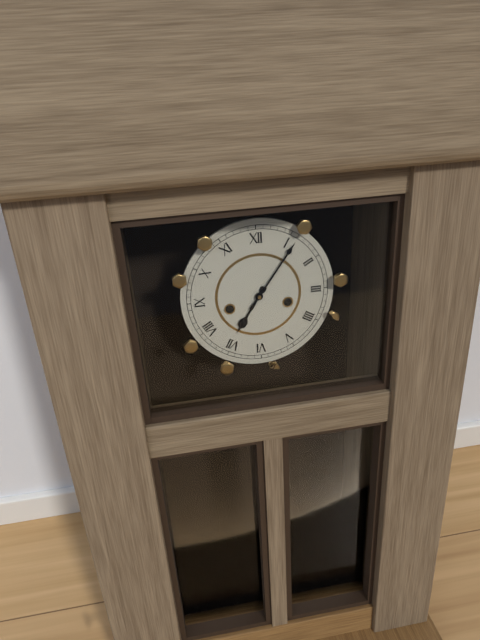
h=7 m=6
